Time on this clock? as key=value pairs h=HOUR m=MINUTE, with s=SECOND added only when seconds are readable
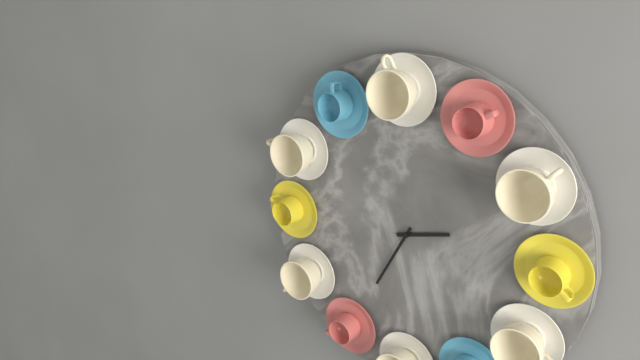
h=2 m=35
